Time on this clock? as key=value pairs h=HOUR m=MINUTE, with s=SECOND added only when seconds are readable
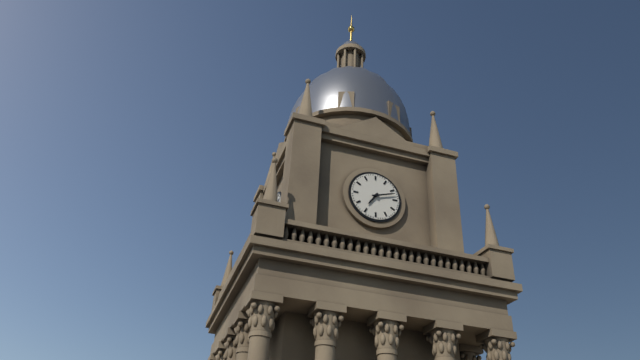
h=7 m=12
